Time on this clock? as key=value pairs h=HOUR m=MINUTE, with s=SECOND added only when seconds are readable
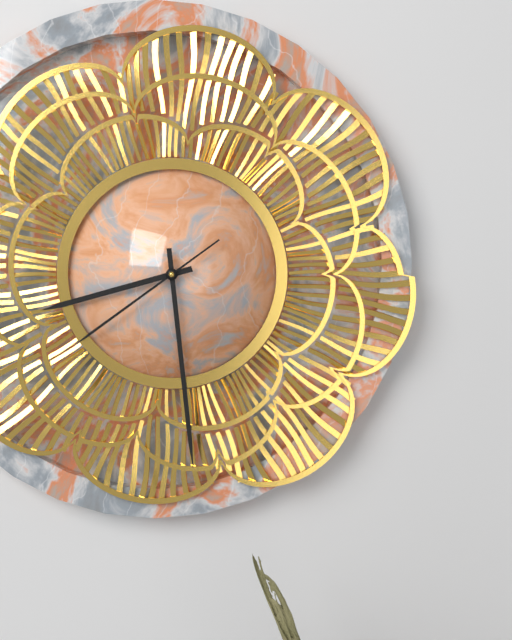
h=8 m=29 s=39
